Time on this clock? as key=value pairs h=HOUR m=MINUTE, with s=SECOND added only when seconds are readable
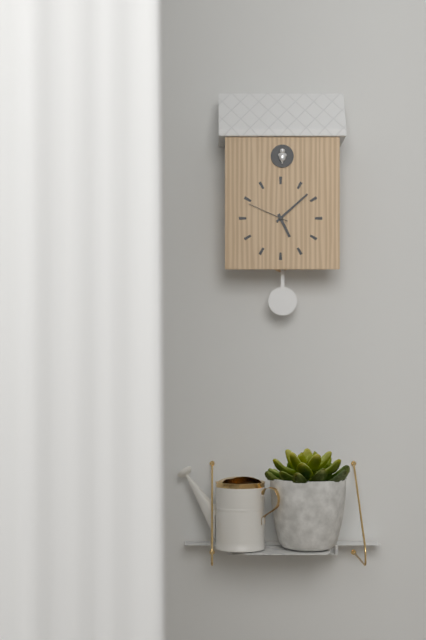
h=5 m=8
